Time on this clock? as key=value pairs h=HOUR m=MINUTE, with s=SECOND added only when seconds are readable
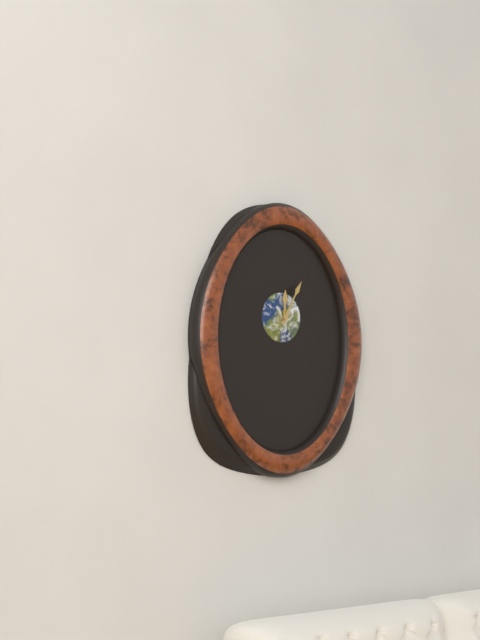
h=12 m=5
